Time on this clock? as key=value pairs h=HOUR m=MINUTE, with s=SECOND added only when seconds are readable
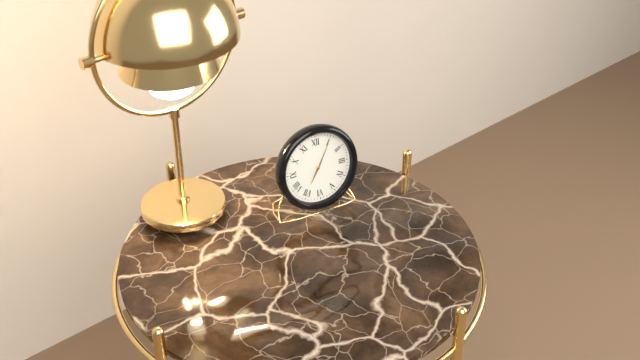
h=7 m=5
